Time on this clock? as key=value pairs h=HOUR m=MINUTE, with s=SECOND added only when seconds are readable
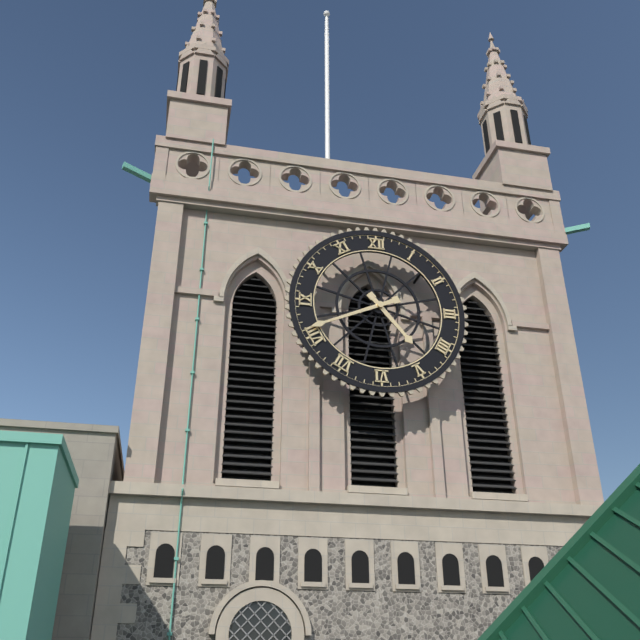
h=4 m=41
